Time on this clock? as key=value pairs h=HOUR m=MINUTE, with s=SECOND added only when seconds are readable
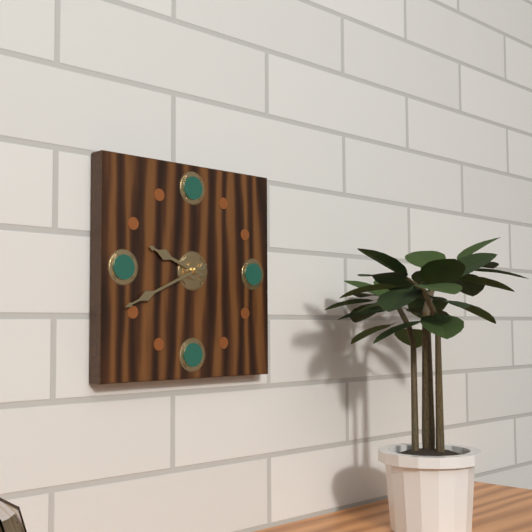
h=9 m=41
